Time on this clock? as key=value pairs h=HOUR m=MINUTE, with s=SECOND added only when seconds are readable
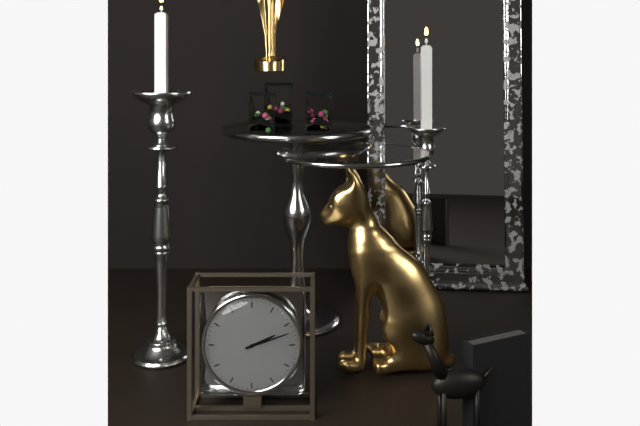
h=2 m=12
